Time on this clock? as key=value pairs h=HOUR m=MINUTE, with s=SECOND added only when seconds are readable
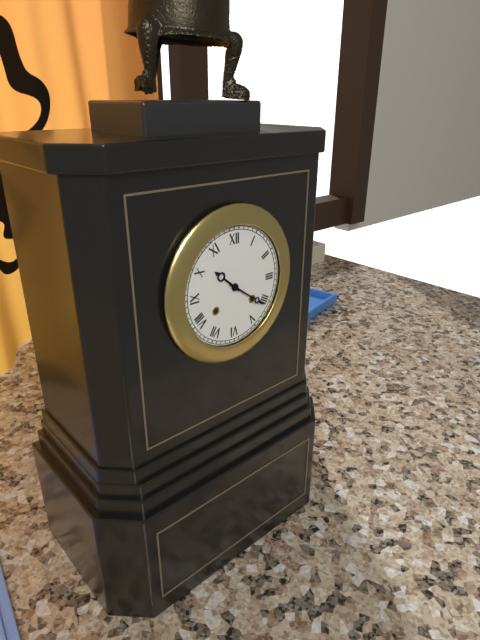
h=10 m=21
